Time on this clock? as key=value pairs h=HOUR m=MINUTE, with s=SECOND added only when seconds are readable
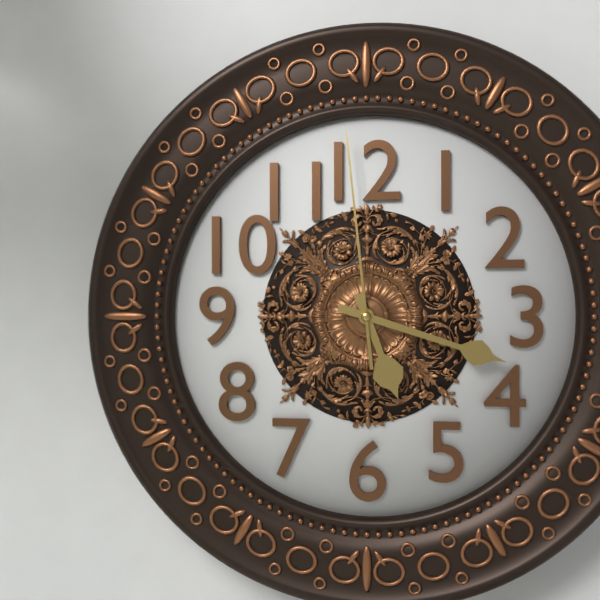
h=5 m=18 s=59
